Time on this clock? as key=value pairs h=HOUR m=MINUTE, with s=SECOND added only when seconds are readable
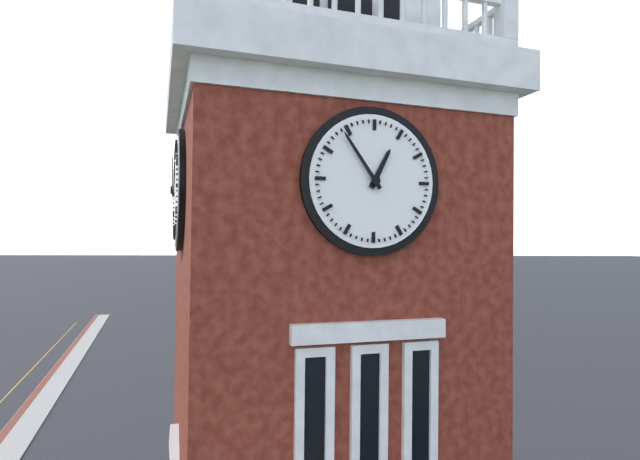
h=12 m=54
